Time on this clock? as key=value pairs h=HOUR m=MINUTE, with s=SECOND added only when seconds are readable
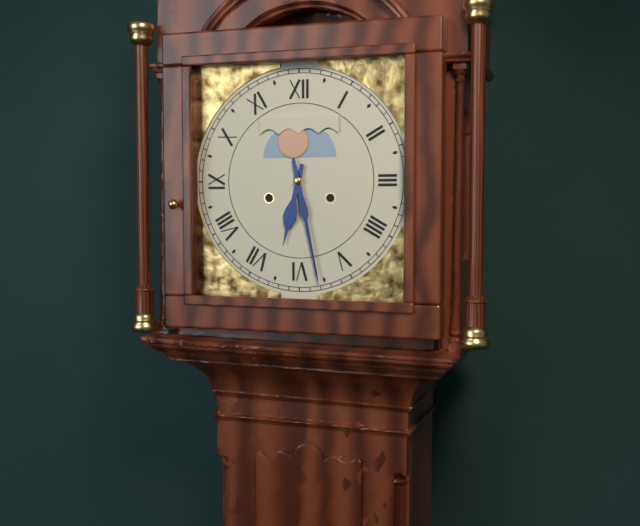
h=6 m=28
